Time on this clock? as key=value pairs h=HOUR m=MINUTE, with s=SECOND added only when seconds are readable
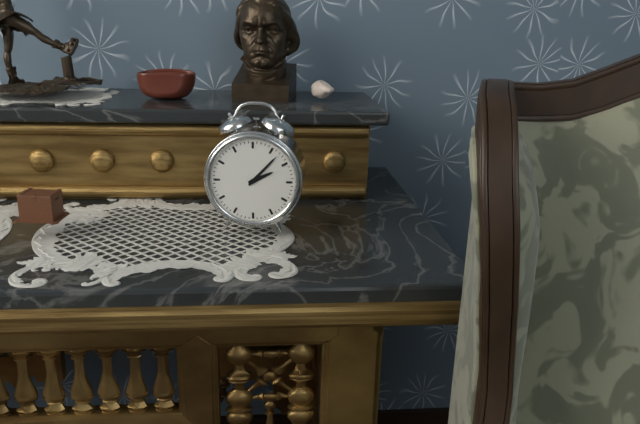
h=2 m=7
